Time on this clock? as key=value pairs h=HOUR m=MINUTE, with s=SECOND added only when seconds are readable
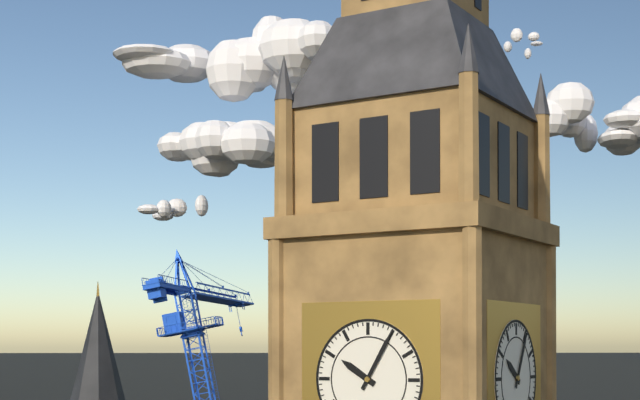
h=10 m=5
